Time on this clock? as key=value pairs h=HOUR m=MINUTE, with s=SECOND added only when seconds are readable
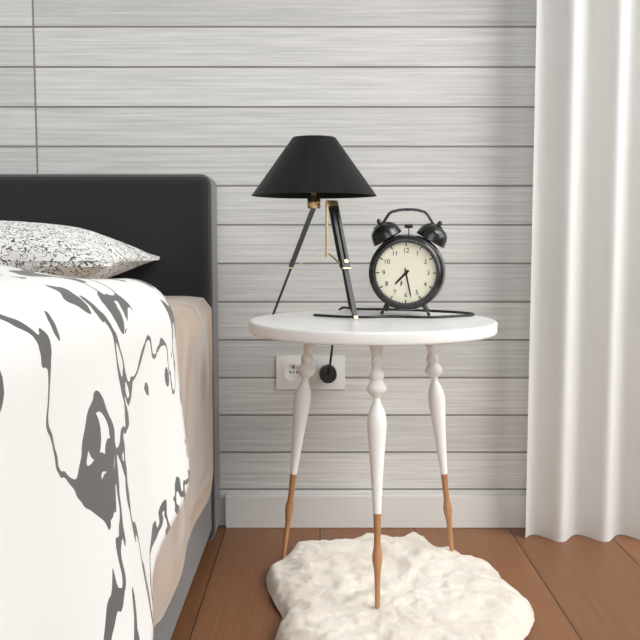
h=7 m=28
